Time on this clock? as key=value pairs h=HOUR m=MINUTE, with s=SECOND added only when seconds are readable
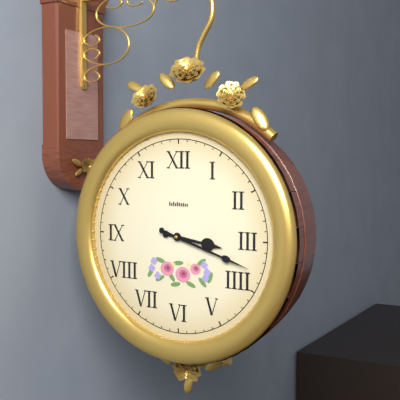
h=3 m=18
